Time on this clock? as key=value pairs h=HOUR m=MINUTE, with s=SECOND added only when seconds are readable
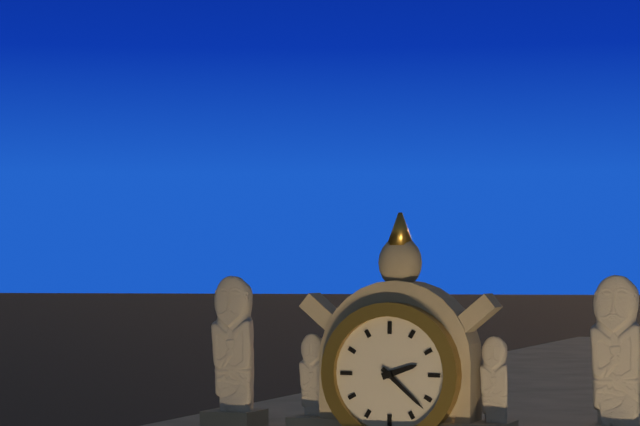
h=2 m=22
